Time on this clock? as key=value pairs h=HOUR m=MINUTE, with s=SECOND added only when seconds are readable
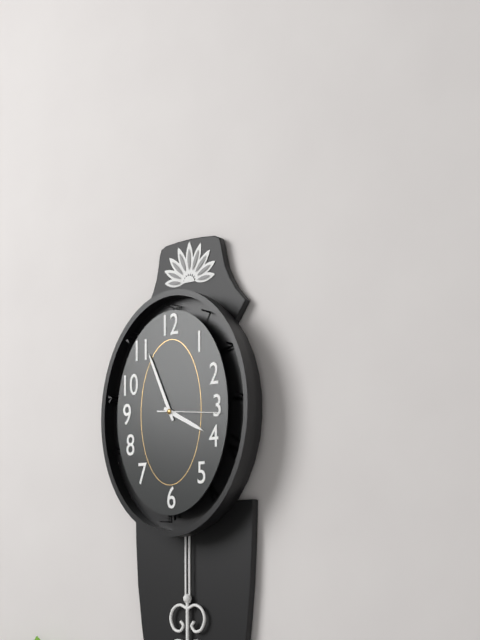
h=3 m=56 s=16
